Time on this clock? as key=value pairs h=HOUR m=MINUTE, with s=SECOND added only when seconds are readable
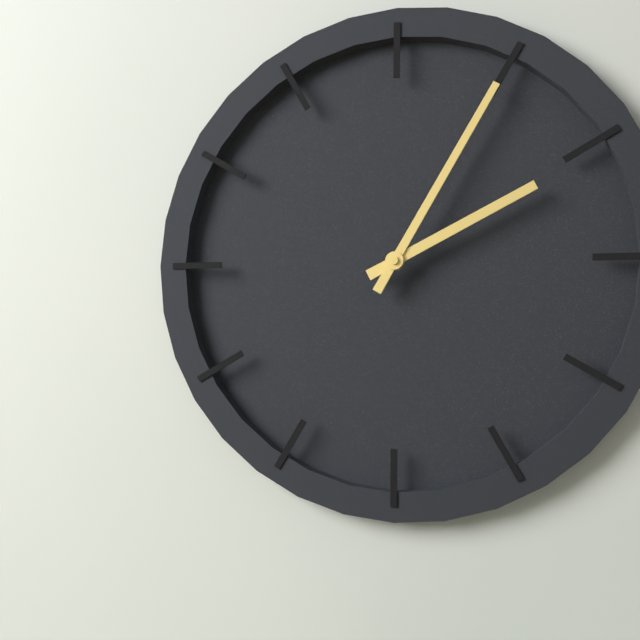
h=2 m=5
